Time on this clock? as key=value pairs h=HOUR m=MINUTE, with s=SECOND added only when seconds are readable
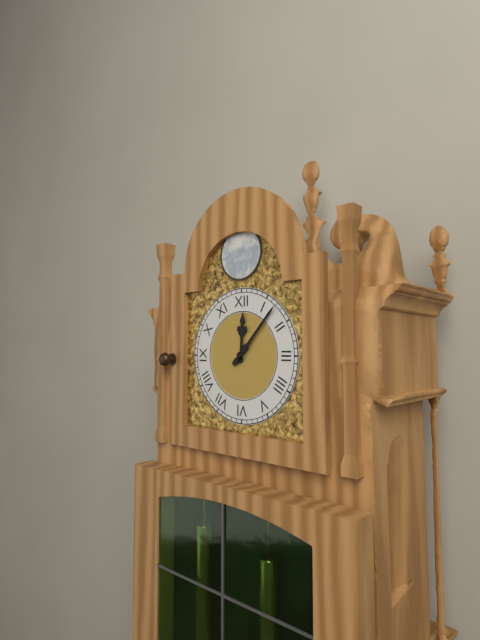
h=12 m=7
